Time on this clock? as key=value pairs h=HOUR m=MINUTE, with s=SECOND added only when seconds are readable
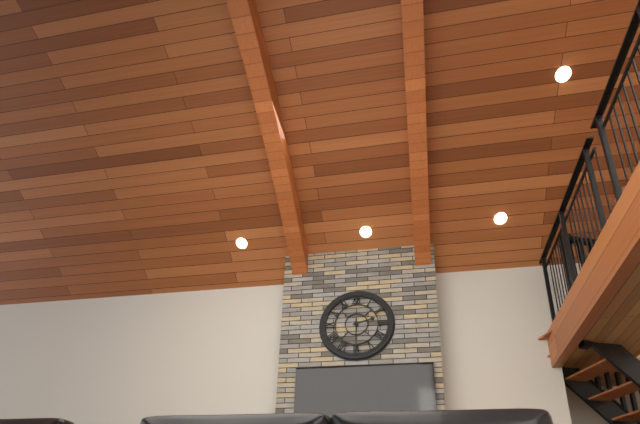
h=2 m=30
